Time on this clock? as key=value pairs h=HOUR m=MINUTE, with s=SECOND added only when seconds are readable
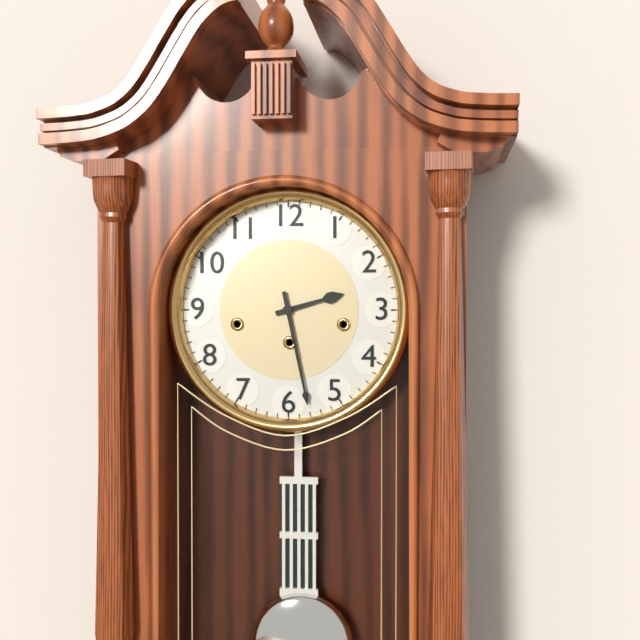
h=2 m=28
